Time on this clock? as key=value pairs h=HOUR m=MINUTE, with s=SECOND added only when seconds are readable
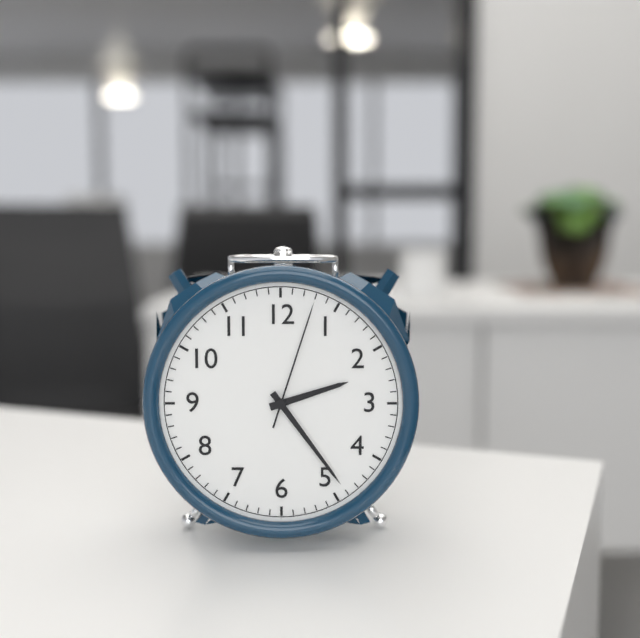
h=2 m=24 s=3
